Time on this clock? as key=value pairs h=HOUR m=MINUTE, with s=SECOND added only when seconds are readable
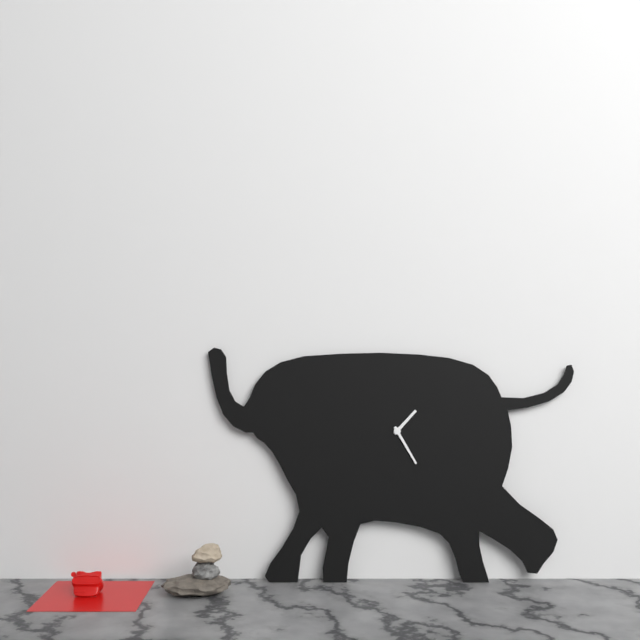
h=1 m=25
